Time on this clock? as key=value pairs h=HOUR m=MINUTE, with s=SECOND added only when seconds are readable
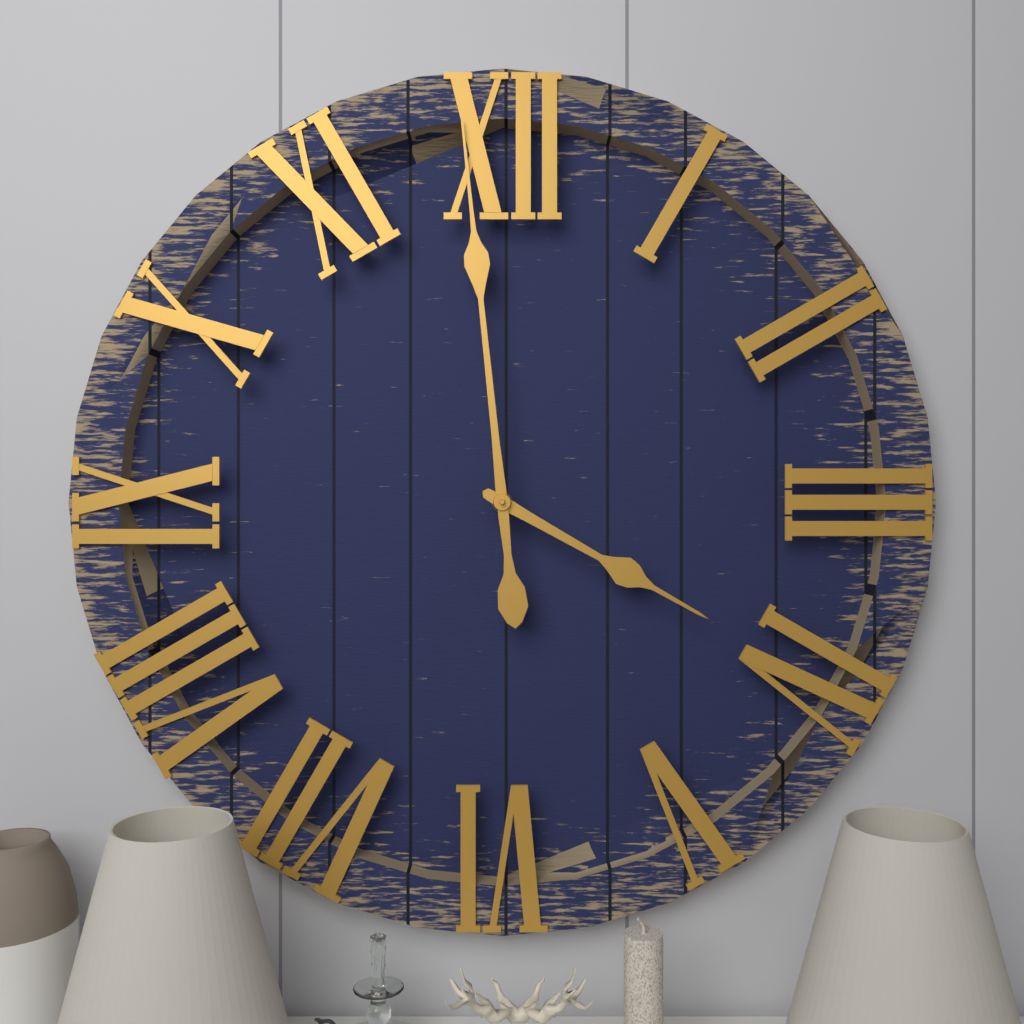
h=3 m=59
